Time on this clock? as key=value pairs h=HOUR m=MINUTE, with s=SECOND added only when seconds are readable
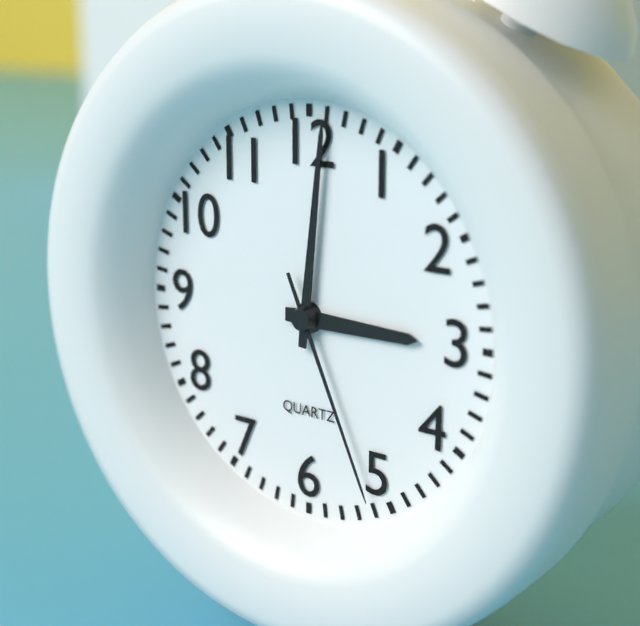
h=3 m=1 s=26
